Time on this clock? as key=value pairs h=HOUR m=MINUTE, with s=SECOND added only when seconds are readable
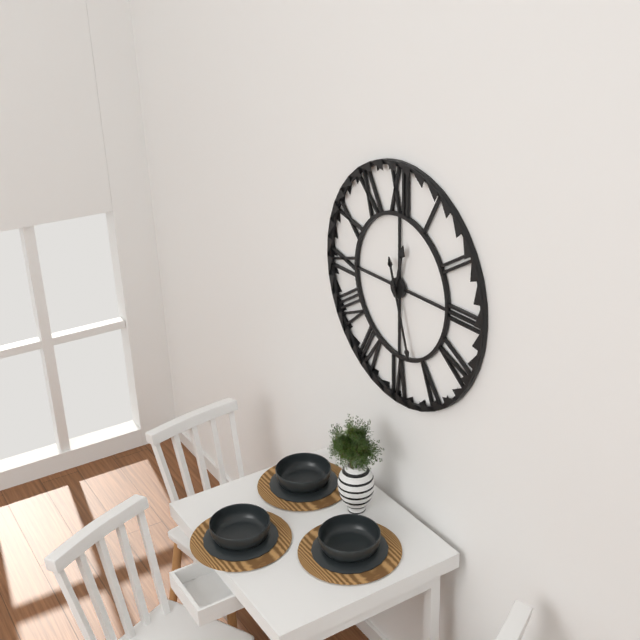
h=12 m=27
